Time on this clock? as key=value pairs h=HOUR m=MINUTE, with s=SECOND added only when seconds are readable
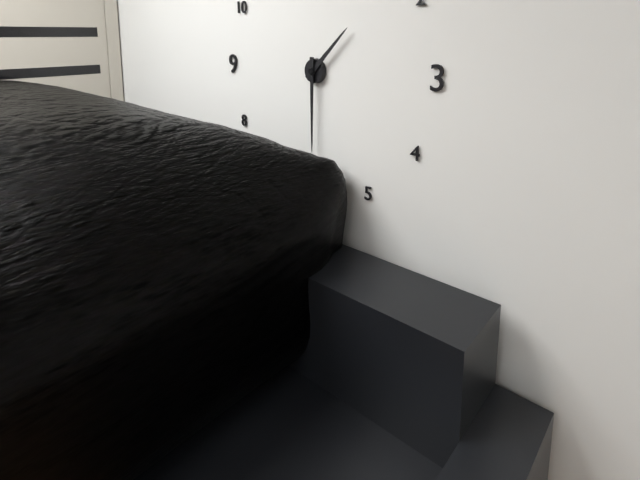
h=1 m=30
